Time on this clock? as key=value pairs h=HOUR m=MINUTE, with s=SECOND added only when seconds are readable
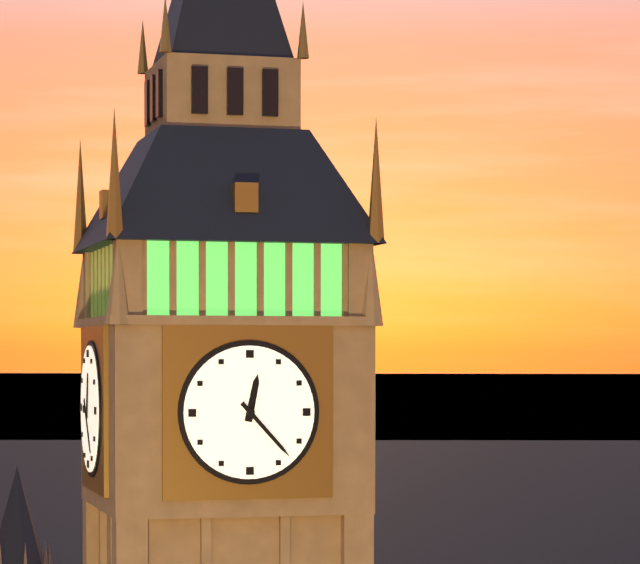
h=12 m=23
